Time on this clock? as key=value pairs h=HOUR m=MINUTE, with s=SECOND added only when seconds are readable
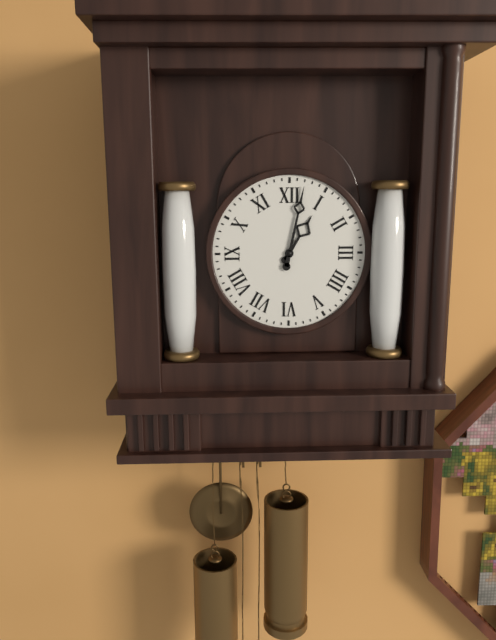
h=1 m=2
